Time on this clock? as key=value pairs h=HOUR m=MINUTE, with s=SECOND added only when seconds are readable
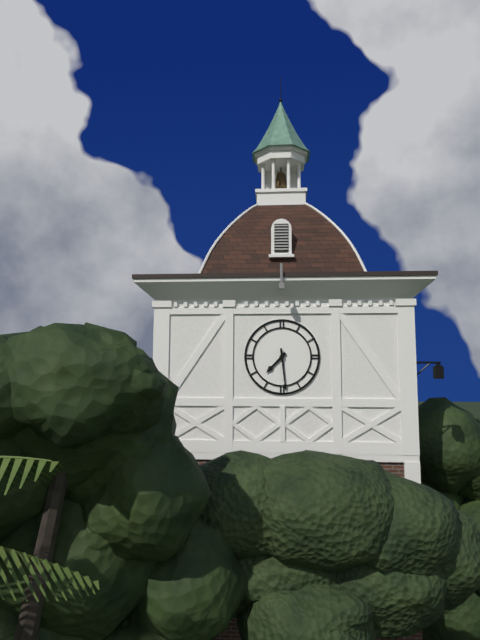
h=7 m=29
